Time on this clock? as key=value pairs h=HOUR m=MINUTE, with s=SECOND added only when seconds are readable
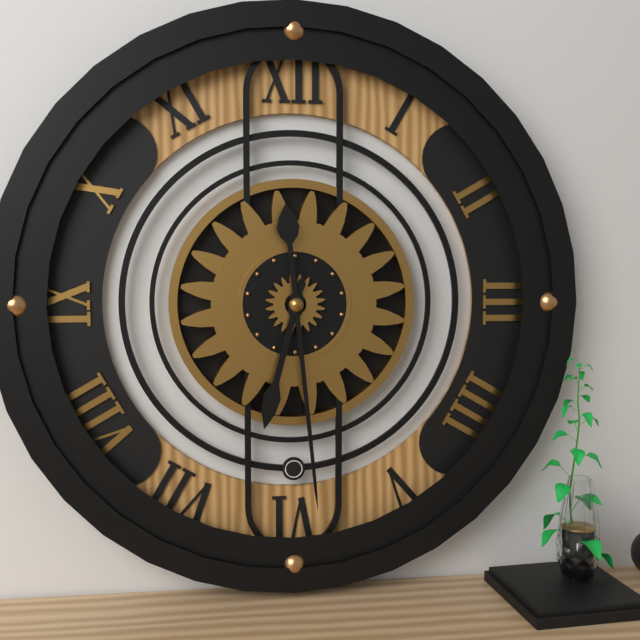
h=6 m=29
